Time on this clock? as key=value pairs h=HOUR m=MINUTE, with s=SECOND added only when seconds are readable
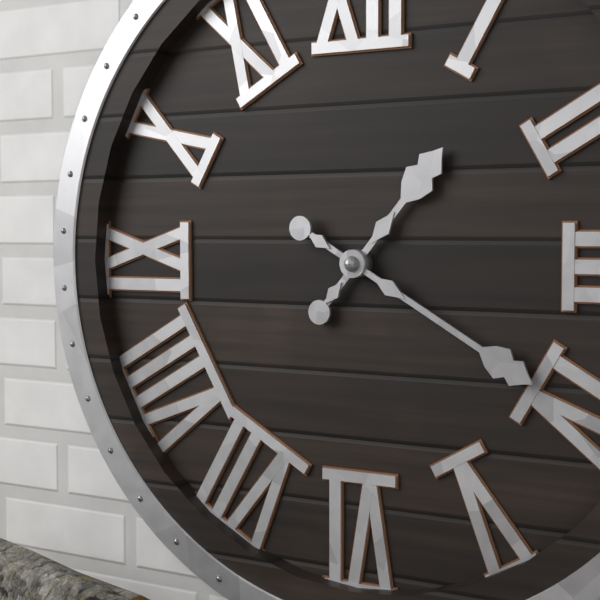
h=1 m=20
